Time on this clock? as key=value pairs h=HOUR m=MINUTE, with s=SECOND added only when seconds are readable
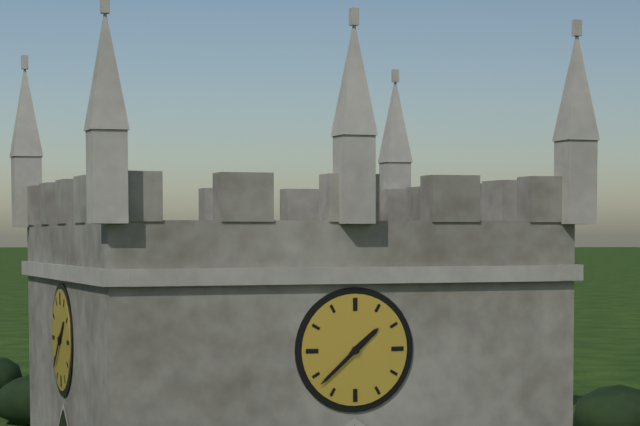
h=1 m=38
